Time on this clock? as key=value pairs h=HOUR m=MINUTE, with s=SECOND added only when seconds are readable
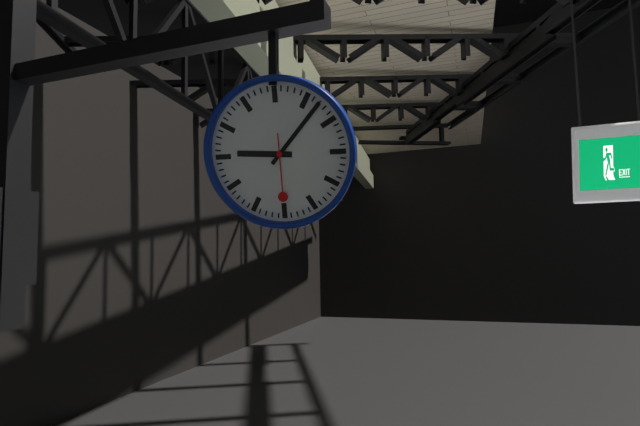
h=9 m=7 s=30
